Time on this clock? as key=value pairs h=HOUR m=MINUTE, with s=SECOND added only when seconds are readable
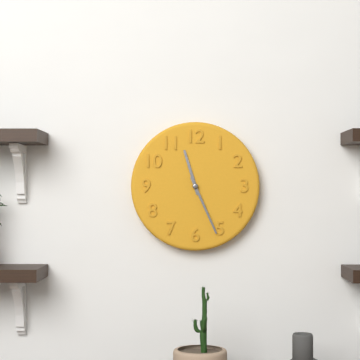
h=11 m=26
